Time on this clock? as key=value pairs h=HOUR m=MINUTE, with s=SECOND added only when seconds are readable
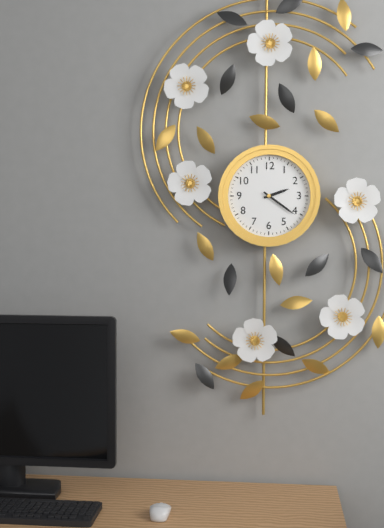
h=2 m=21
